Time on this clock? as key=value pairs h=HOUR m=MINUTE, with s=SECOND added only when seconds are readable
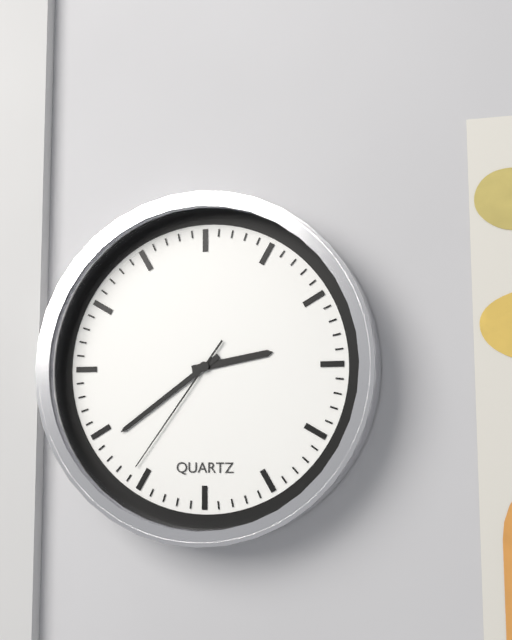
h=2 m=39 s=36
